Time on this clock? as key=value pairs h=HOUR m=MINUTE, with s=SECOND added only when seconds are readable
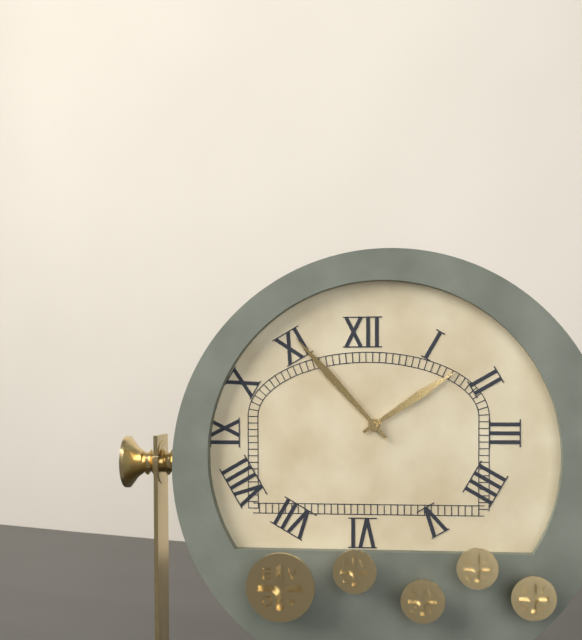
h=1 m=53
